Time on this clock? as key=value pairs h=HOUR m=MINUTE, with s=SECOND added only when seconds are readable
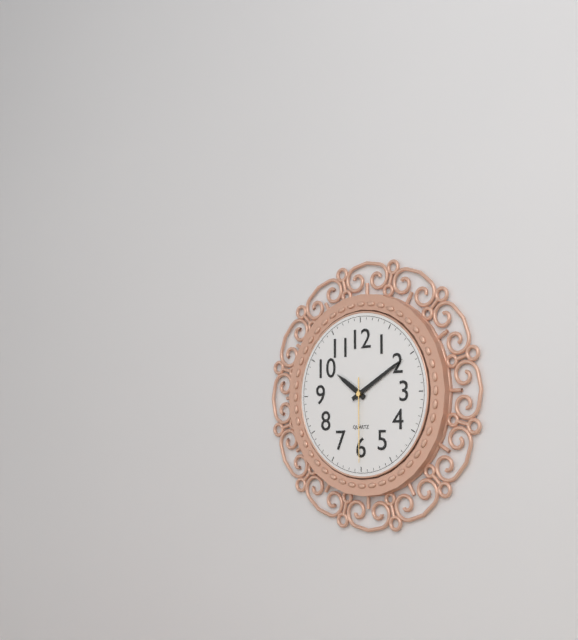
h=10 m=10 s=30
